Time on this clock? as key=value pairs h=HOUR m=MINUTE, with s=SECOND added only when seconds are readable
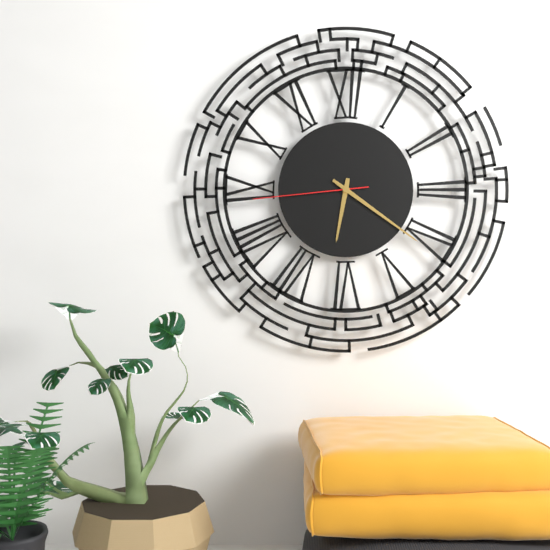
h=6 m=21 s=44
